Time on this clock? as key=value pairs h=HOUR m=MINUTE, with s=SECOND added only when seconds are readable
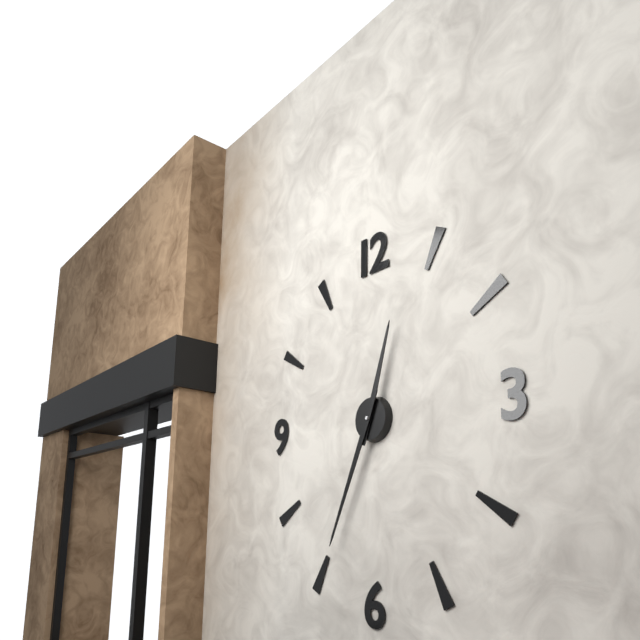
h=12 m=34
